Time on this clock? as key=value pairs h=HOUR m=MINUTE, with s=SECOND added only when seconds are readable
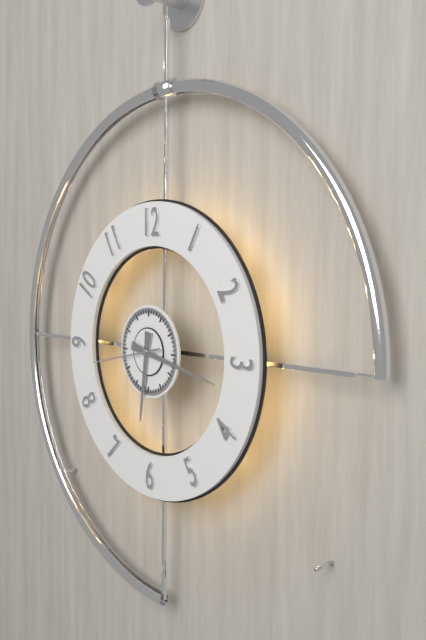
h=6 m=17 s=43
